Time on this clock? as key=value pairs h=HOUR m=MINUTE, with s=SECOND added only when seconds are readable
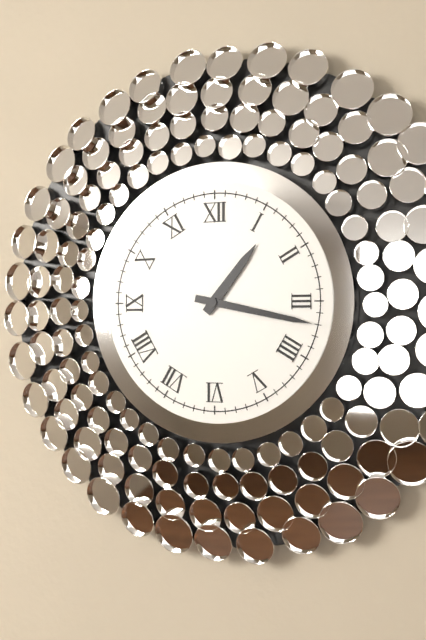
h=1 m=17
